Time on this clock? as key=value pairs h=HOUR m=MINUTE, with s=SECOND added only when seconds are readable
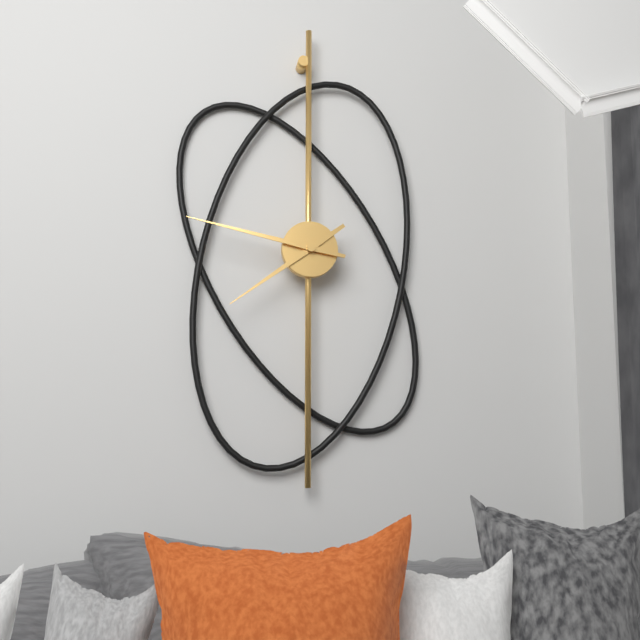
h=7 m=47
